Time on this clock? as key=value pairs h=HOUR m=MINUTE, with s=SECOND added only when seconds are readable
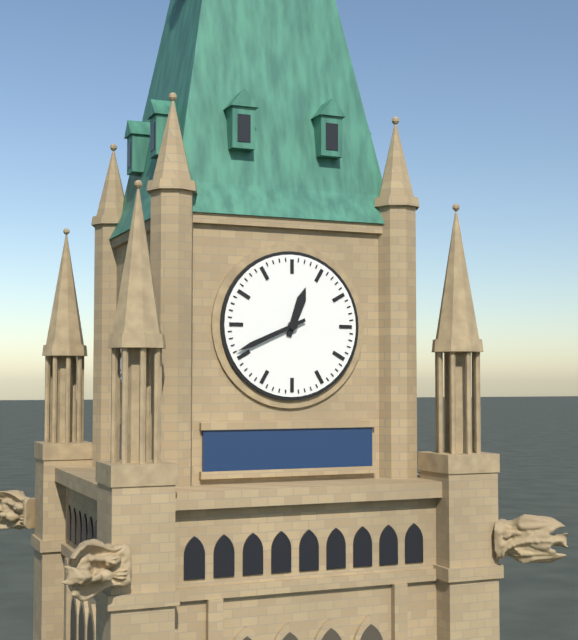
h=12 m=41
